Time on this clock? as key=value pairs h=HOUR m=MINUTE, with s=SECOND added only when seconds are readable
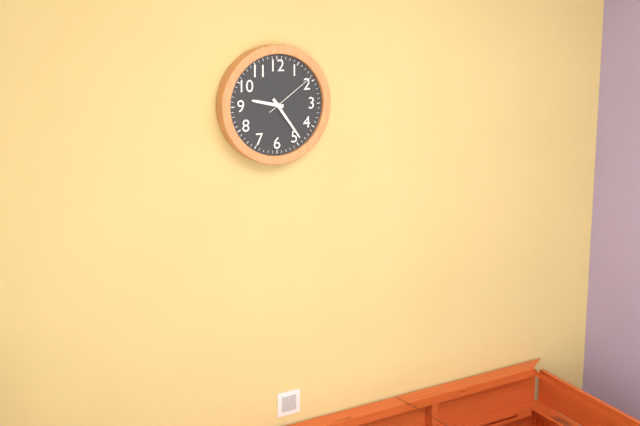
h=9 m=24 s=9
